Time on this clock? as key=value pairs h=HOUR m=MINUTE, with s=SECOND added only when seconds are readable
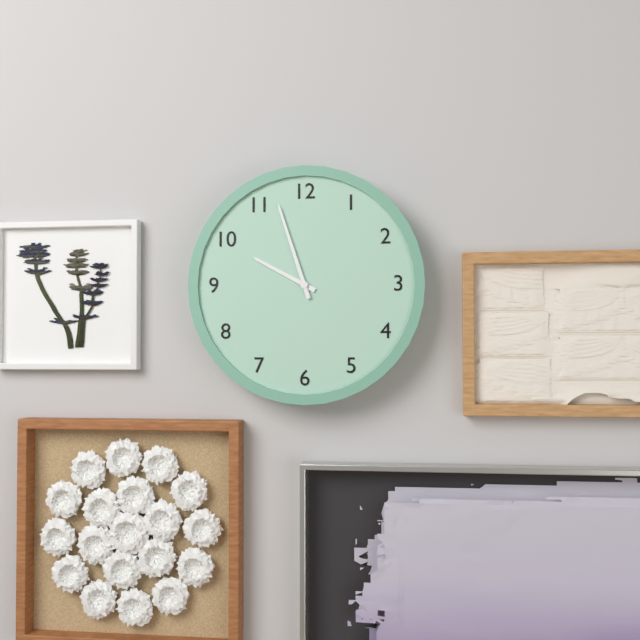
h=9 m=57
